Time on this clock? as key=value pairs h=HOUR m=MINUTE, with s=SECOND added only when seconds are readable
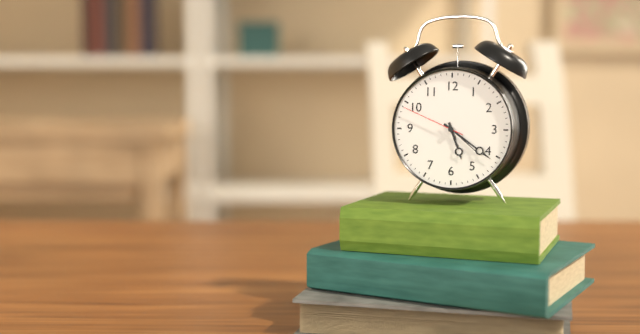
h=5 m=21 s=49
